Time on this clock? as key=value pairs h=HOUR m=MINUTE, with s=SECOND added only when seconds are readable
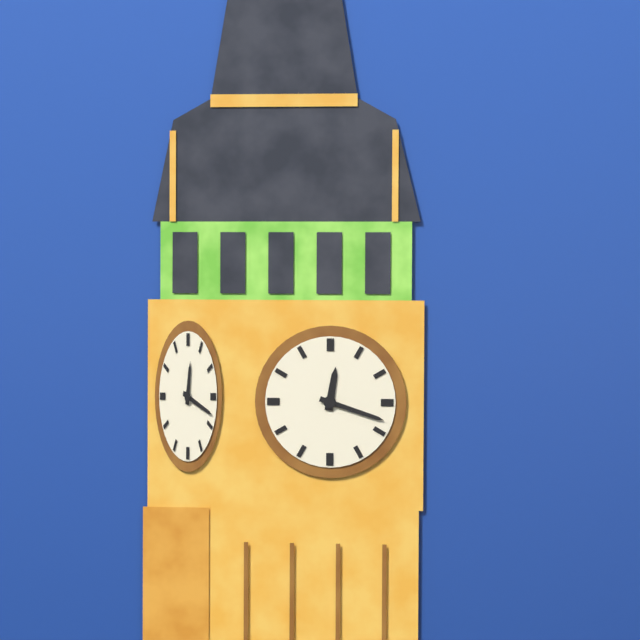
h=12 m=18
